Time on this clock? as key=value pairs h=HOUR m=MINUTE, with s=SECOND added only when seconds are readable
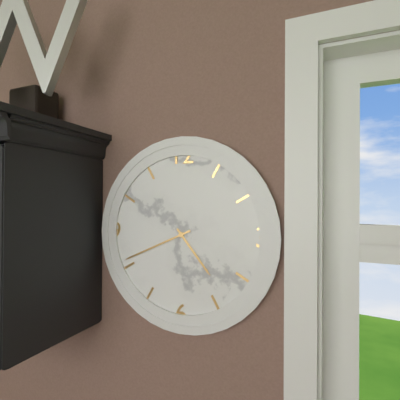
h=4 m=41
